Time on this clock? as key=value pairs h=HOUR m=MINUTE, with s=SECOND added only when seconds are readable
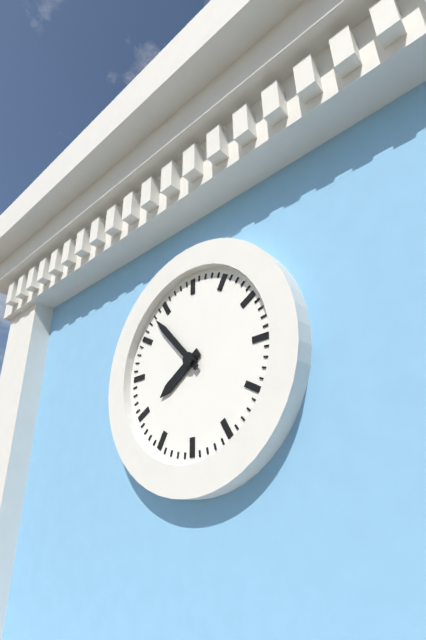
h=7 m=53
